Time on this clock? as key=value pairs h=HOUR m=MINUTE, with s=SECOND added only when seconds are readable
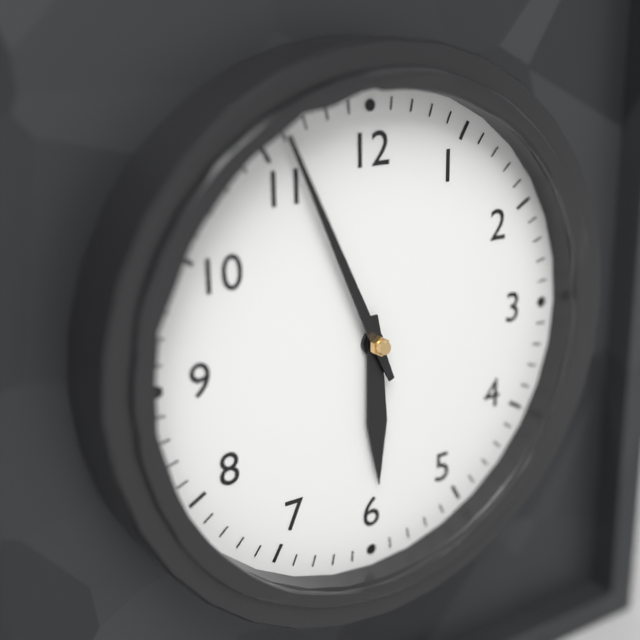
h=5 m=56
